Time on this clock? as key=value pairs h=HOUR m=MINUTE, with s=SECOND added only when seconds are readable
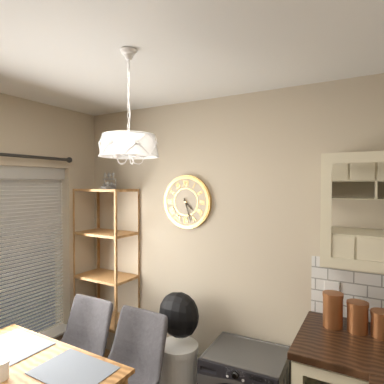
h=4 m=27
